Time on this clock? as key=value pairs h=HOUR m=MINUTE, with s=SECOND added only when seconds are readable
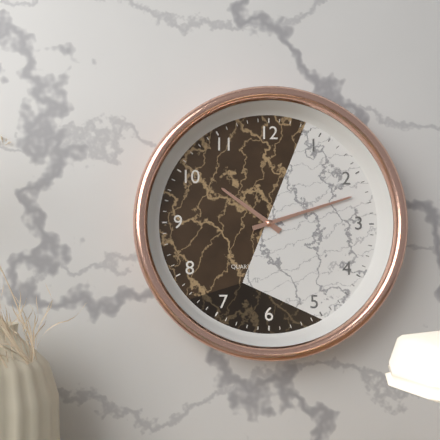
h=10 m=12
